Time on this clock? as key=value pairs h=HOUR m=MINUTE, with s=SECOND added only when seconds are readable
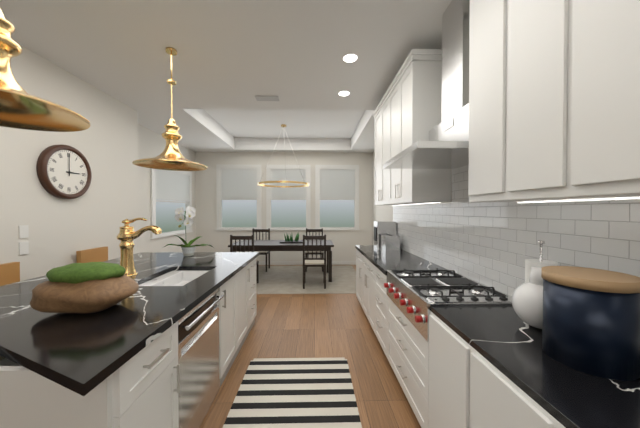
h=3 m=0
